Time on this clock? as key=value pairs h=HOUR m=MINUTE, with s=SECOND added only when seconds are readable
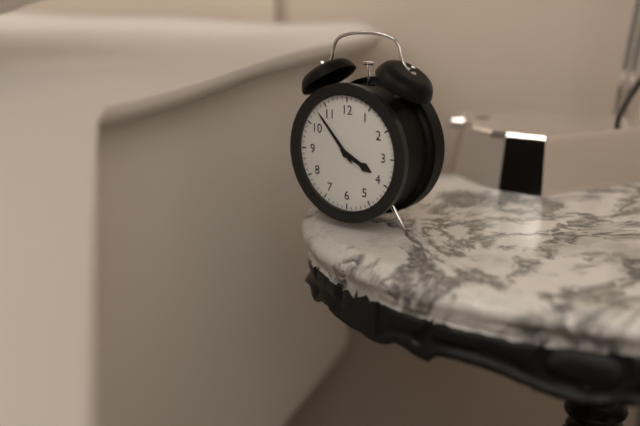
h=3 m=53
